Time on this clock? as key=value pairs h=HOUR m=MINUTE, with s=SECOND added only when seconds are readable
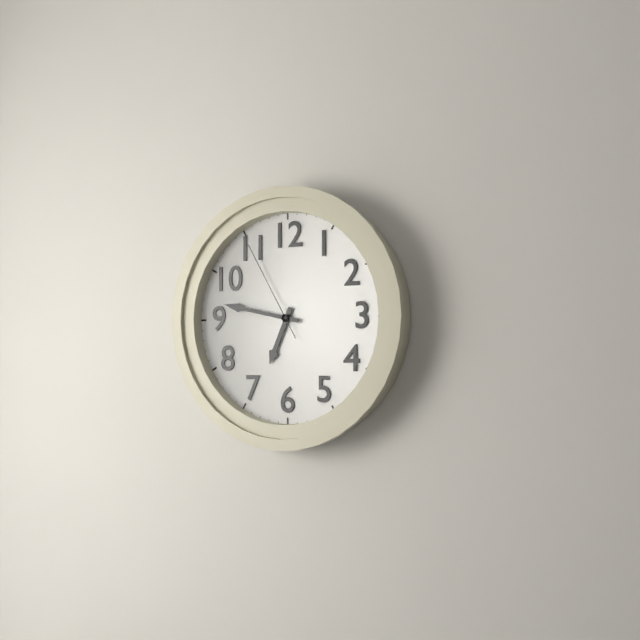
h=6 m=47 s=55
